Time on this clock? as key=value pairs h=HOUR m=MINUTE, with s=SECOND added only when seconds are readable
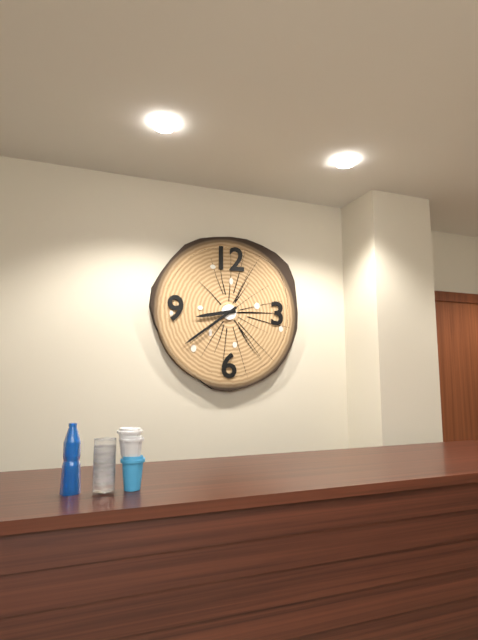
h=8 m=39
